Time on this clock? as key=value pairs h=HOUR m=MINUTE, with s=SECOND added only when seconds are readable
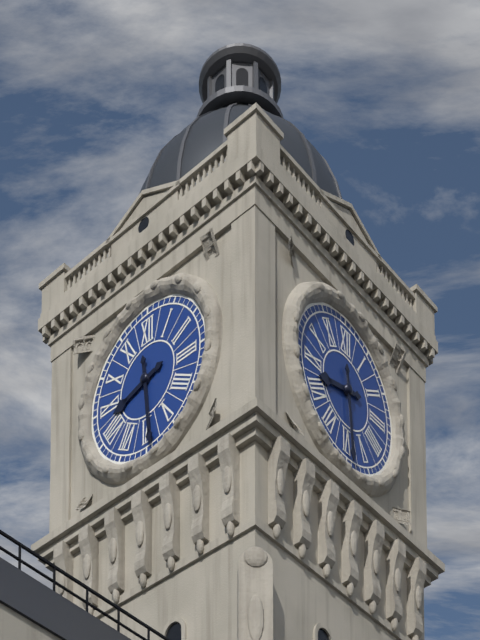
h=8 m=29
